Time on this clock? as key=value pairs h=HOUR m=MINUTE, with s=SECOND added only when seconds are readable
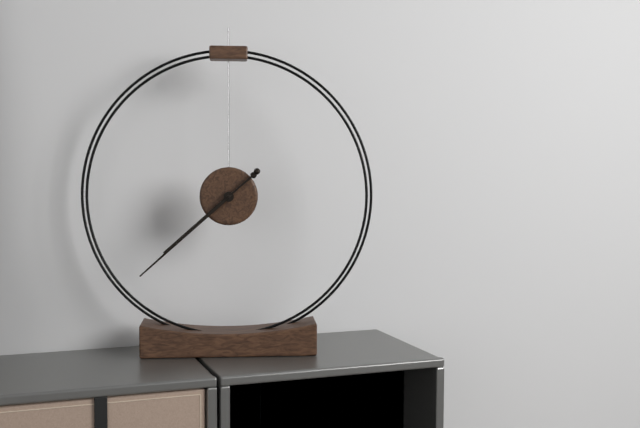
h=7 m=38
